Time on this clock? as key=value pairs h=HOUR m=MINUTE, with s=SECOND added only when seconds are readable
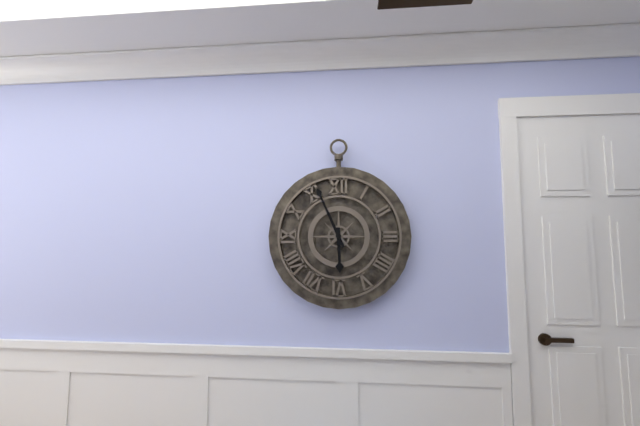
h=5 m=56
